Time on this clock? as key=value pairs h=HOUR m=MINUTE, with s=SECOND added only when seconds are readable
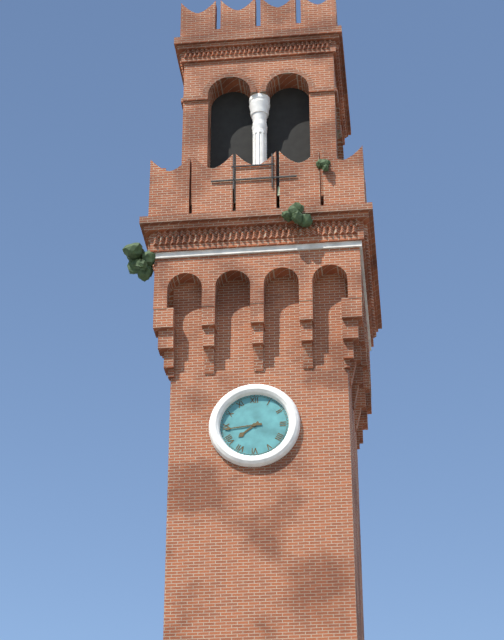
h=7 m=44
